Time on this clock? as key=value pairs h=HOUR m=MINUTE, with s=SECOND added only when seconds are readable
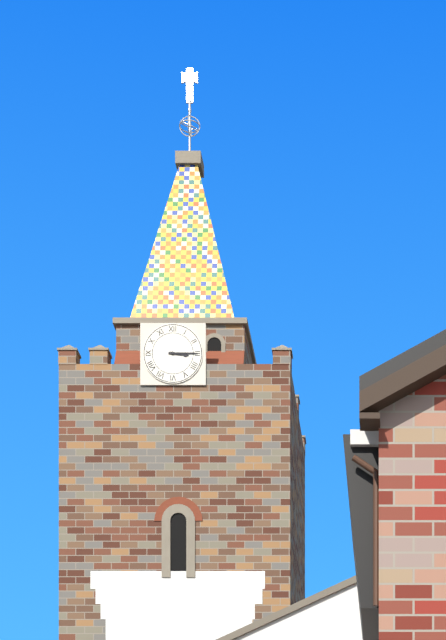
h=3 m=15
